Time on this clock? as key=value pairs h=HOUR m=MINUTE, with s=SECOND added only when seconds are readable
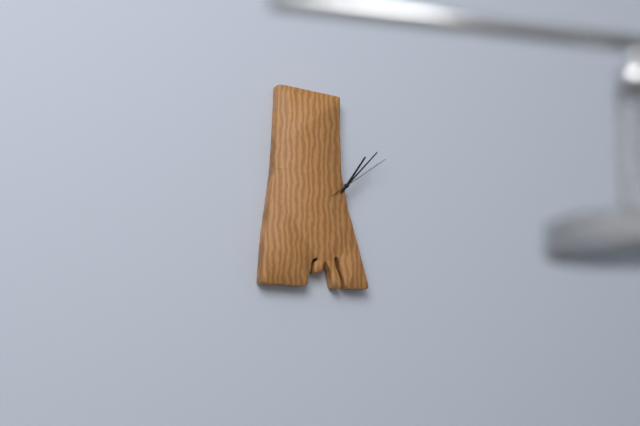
h=1 m=7 s=9
